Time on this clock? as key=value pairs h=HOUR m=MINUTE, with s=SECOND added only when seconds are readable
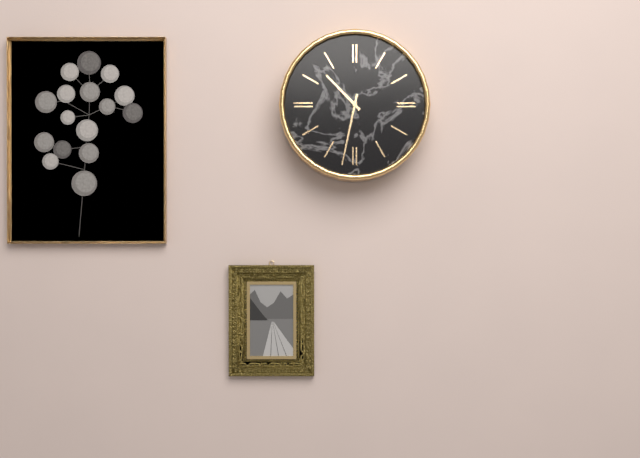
h=10 m=32
